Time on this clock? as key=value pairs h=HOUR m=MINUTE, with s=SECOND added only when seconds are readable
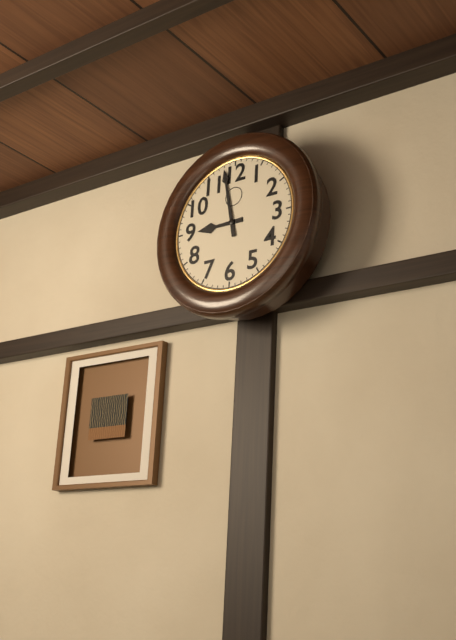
h=8 m=58
